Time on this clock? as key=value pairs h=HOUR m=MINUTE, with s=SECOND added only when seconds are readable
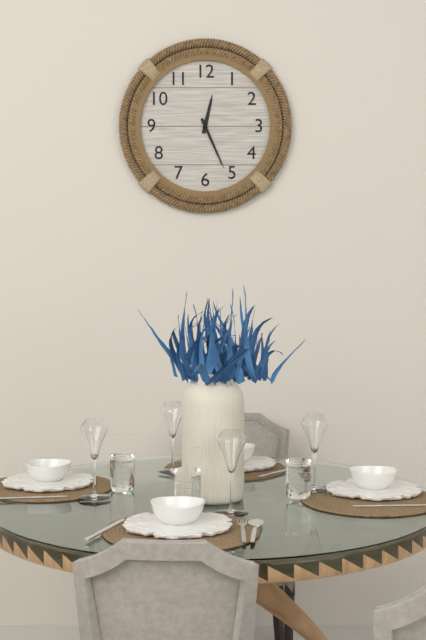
h=12 m=26
